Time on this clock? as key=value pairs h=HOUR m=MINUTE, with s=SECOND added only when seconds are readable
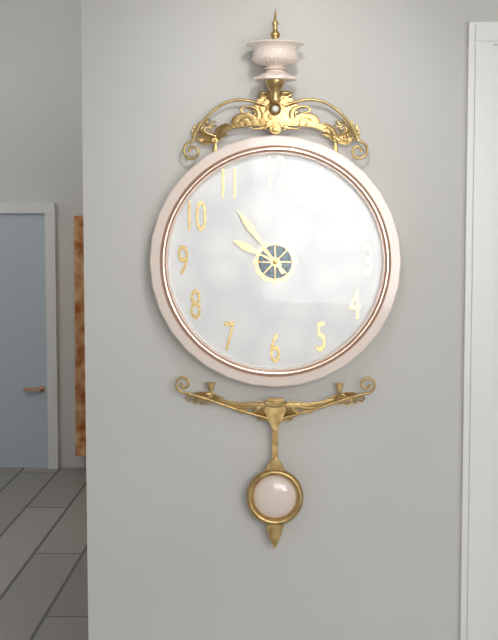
h=9 m=54 s=54
